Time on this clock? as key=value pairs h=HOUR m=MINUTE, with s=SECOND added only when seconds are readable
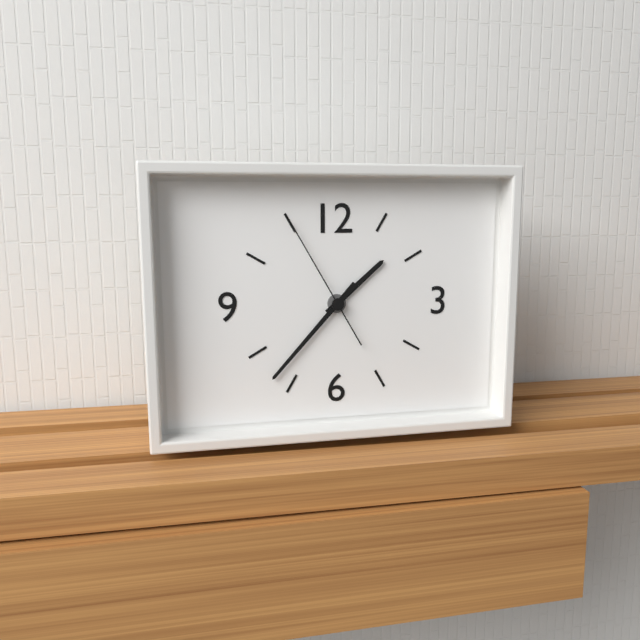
h=1 m=37 s=55
